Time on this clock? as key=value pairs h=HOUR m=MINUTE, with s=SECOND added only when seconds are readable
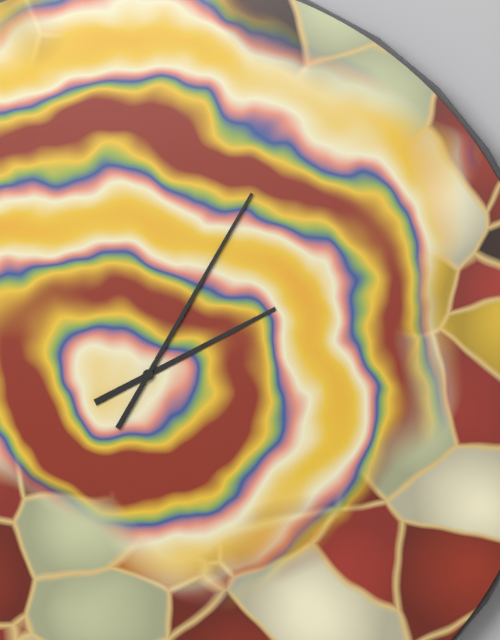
h=2 m=5
